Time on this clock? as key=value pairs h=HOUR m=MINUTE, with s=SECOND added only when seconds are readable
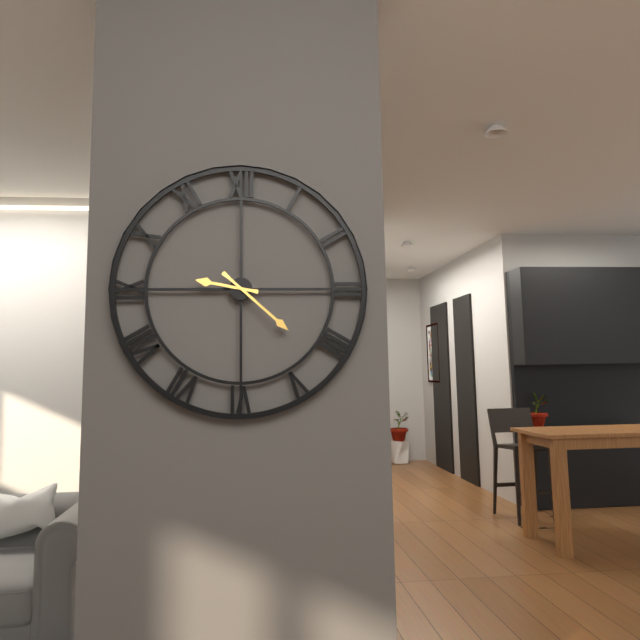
h=9 m=22
